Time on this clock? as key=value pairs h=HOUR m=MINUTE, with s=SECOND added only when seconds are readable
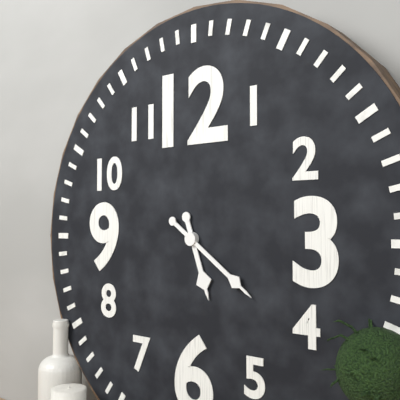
h=5 m=21
